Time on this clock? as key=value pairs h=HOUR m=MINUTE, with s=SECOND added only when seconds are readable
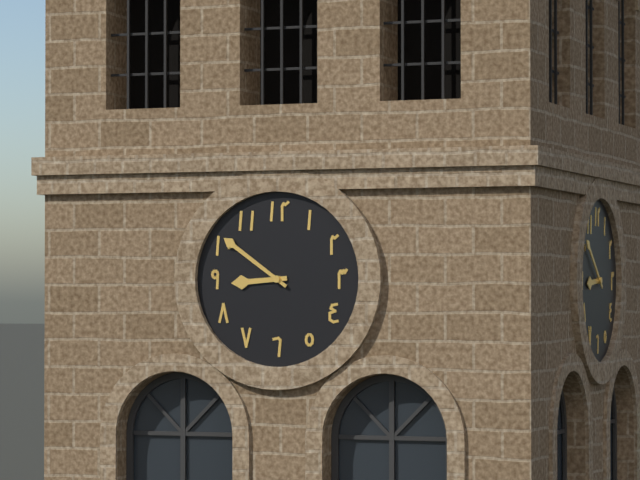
h=8 m=51
